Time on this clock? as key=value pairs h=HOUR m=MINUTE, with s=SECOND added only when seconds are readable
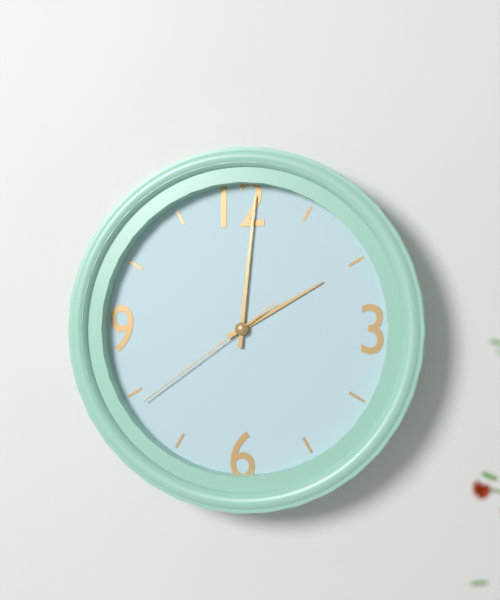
h=2 m=1 s=39
